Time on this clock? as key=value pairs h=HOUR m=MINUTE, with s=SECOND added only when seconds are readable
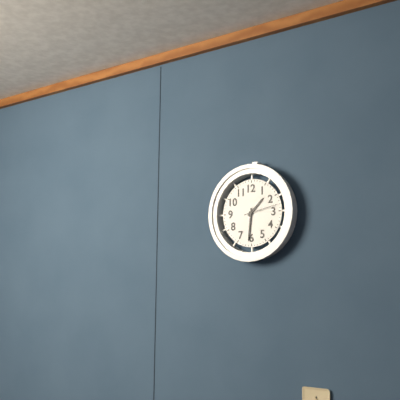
h=1 m=31
